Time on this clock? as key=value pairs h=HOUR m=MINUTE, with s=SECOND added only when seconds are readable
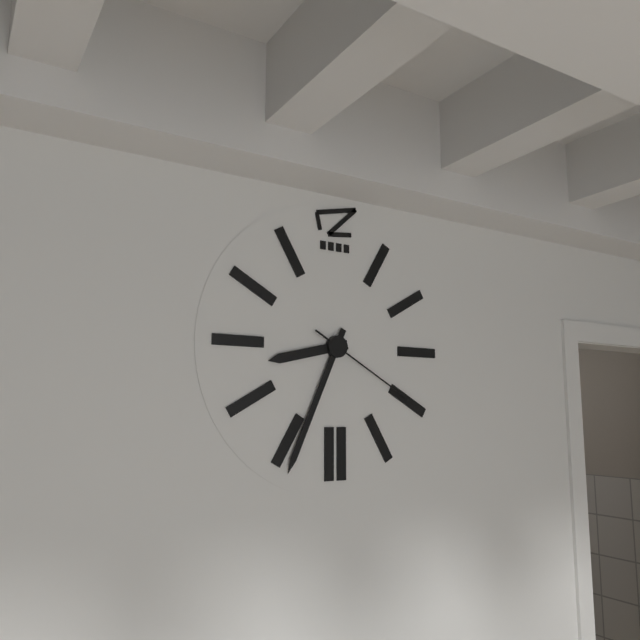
h=8 m=34 s=20
